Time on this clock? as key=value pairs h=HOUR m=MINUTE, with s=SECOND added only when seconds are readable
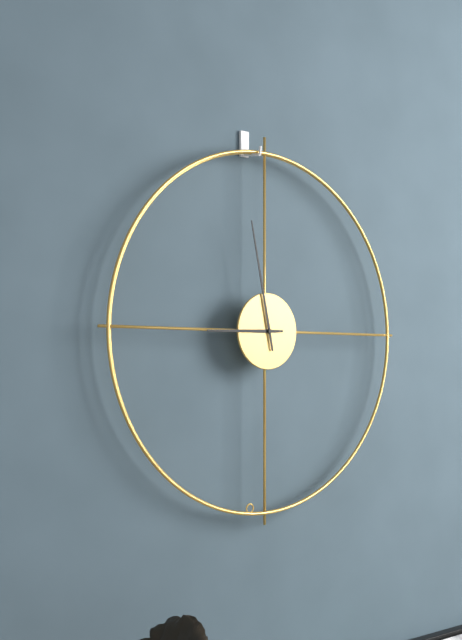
h=8 m=58
